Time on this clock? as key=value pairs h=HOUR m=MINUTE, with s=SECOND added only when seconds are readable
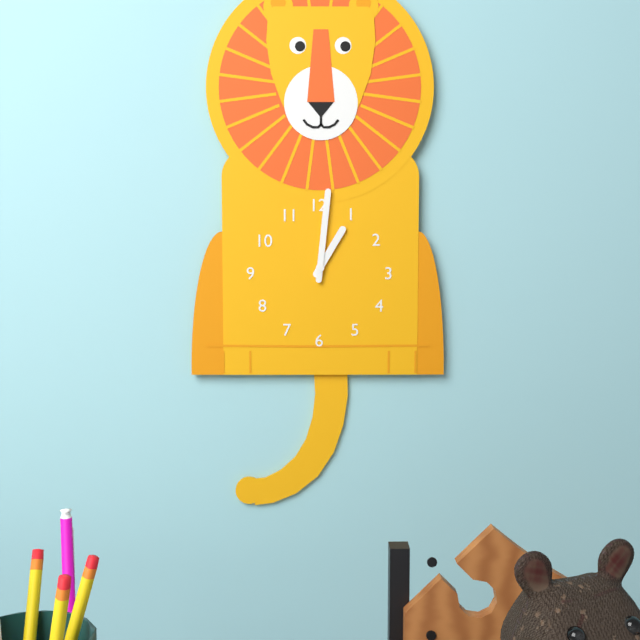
h=1 m=1
